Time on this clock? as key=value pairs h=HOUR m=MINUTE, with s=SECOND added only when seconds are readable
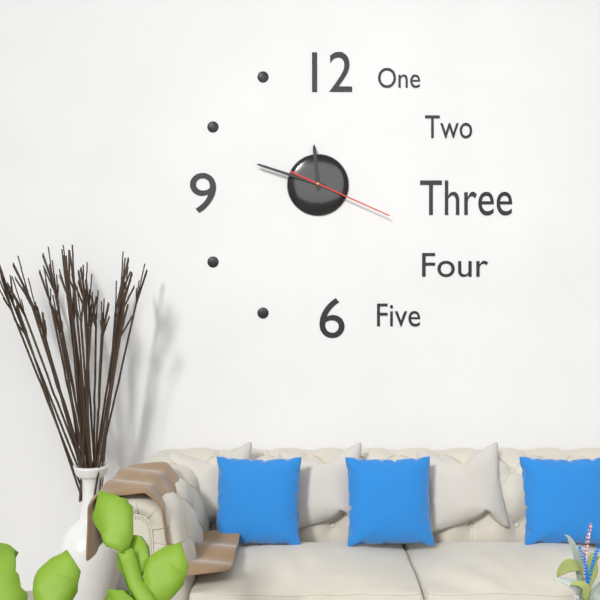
h=11 m=48 s=19
